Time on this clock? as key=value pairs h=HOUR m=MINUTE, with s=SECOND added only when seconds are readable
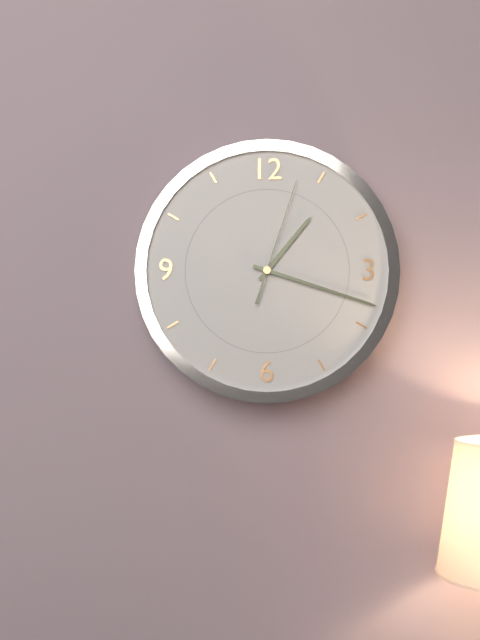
h=1 m=18 s=3
